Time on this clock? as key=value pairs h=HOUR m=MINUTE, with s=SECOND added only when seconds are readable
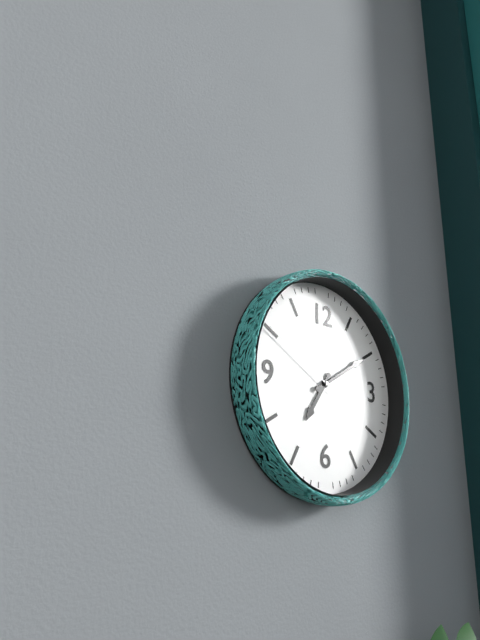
h=7 m=10 s=50
